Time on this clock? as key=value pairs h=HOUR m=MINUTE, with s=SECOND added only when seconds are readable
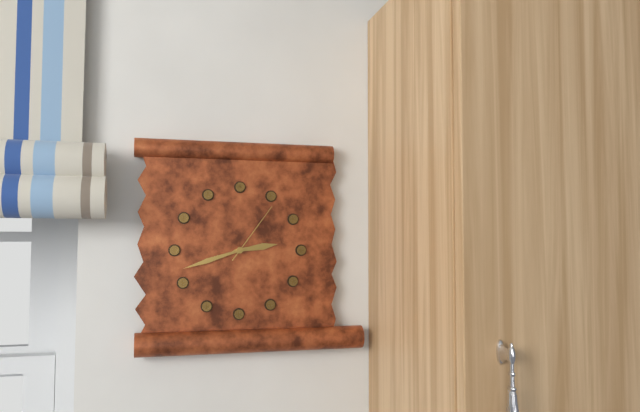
h=2 m=42 s=6
